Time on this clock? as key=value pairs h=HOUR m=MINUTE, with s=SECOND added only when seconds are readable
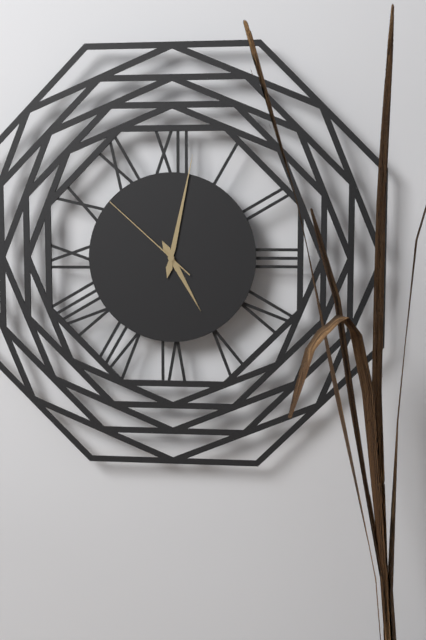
h=5 m=2 s=52
